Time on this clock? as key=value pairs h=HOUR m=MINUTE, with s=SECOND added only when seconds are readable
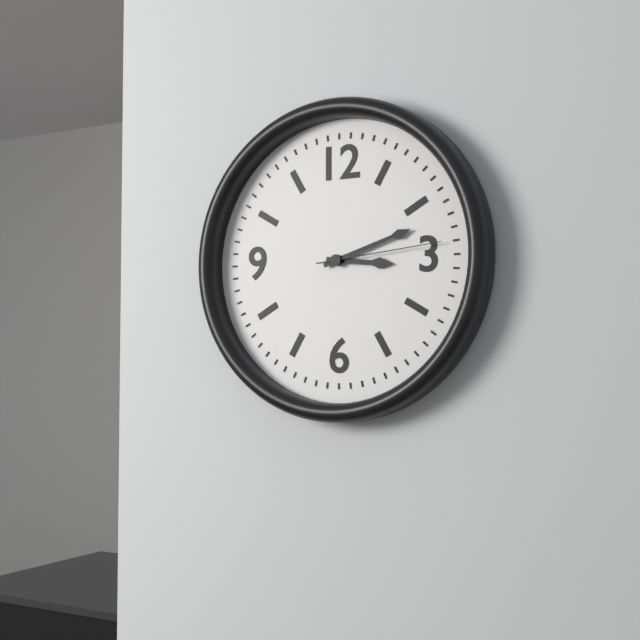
h=3 m=12 s=14
